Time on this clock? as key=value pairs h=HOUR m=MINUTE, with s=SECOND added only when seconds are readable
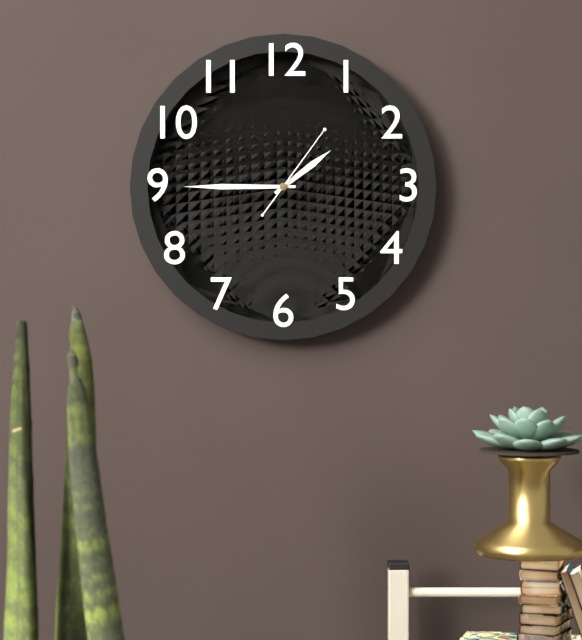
h=1 m=45 s=6
